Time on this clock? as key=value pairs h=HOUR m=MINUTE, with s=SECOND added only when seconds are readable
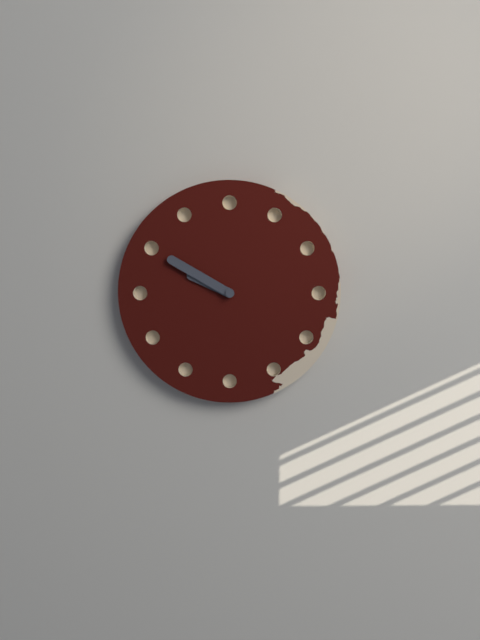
h=9 m=50
